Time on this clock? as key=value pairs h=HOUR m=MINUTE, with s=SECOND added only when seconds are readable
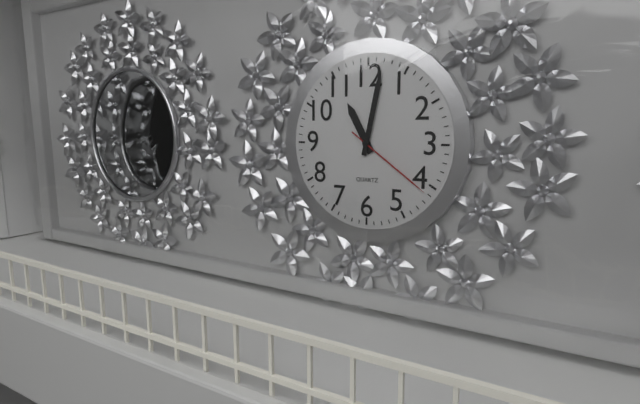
h=11 m=2 s=21
